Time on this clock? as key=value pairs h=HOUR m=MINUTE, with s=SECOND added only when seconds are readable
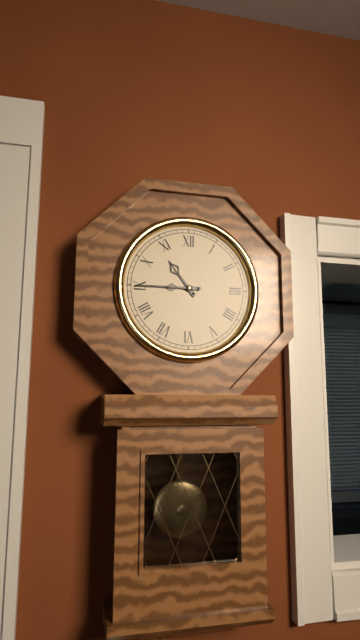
h=10 m=45
